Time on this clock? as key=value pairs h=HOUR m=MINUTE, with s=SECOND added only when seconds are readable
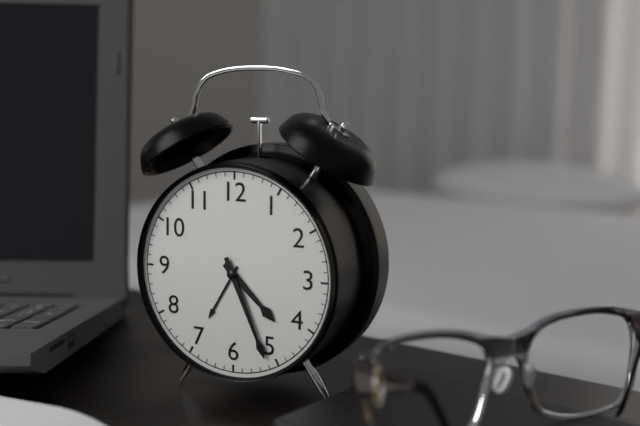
h=4 m=26
